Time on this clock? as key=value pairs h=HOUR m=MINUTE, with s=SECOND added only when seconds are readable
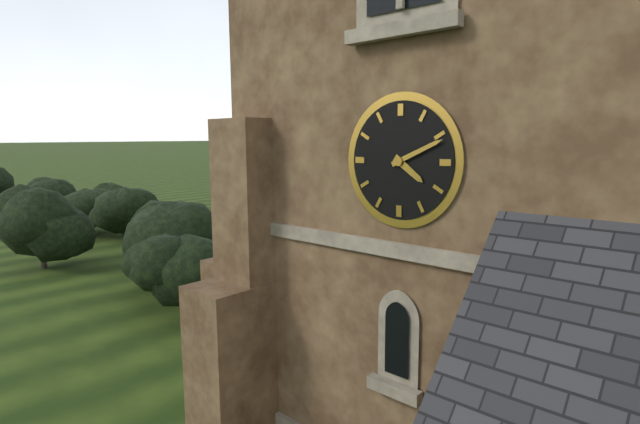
h=4 m=11
